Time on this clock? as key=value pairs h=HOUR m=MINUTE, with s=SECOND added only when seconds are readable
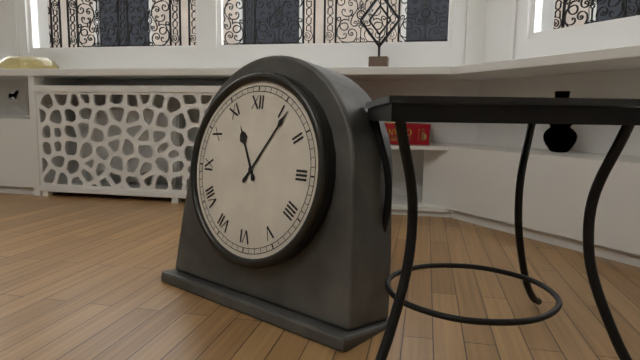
h=11 m=6
